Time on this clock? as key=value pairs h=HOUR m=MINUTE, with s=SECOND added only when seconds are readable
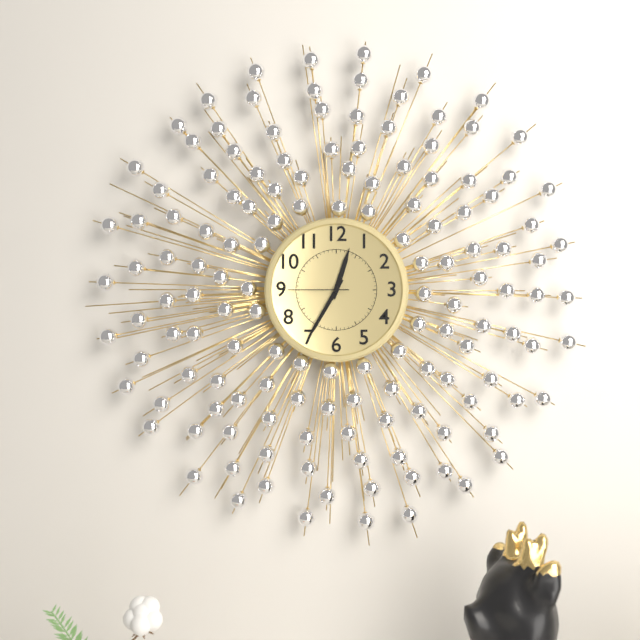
h=12 m=35 s=45
